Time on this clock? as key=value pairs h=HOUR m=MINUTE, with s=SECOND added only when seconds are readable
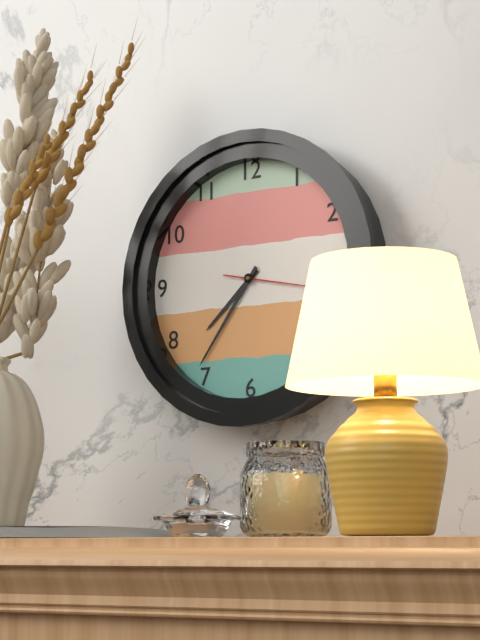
h=7 m=36
